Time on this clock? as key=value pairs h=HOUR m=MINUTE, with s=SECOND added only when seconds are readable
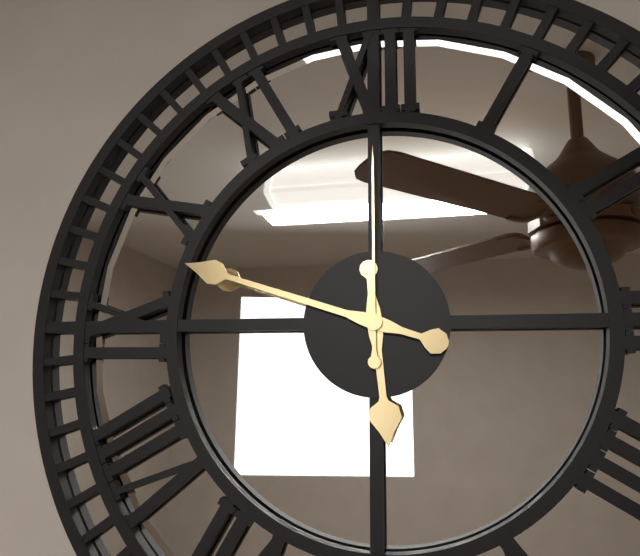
h=5 m=48 s=0
